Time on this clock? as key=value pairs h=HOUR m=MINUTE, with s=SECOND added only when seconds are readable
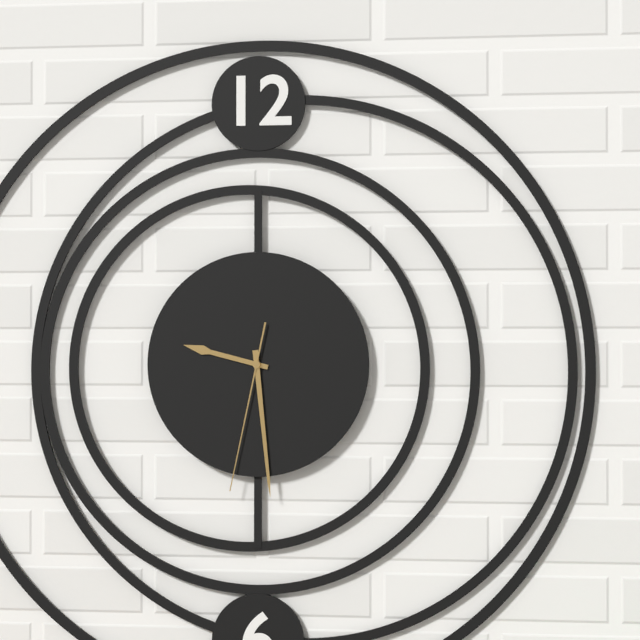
h=9 m=29 s=32
